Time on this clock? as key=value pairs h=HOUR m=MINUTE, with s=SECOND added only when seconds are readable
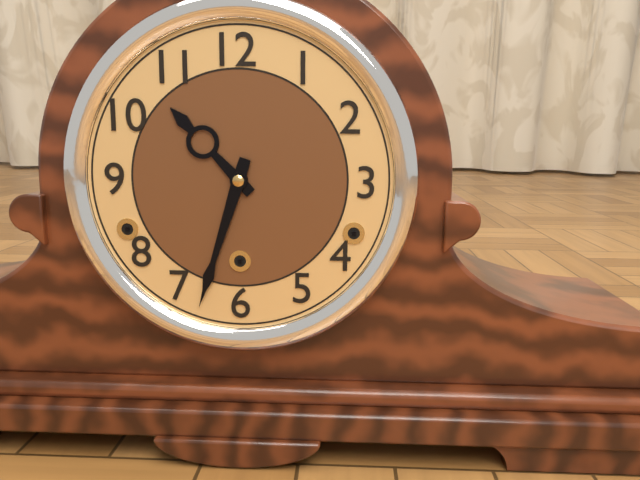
h=10 m=33
